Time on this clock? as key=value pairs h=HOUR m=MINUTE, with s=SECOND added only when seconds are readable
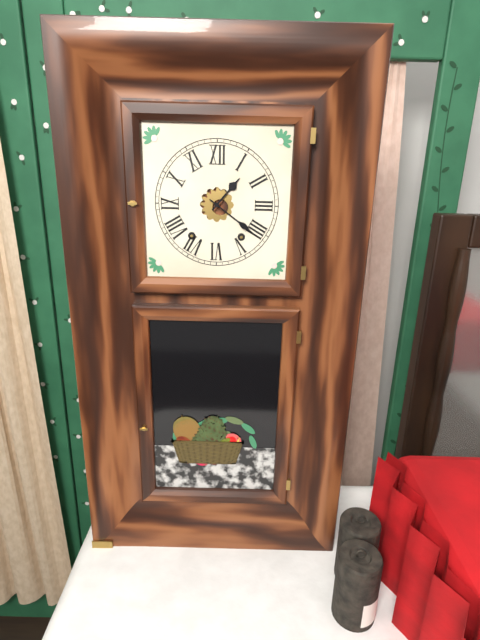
h=1 m=21
